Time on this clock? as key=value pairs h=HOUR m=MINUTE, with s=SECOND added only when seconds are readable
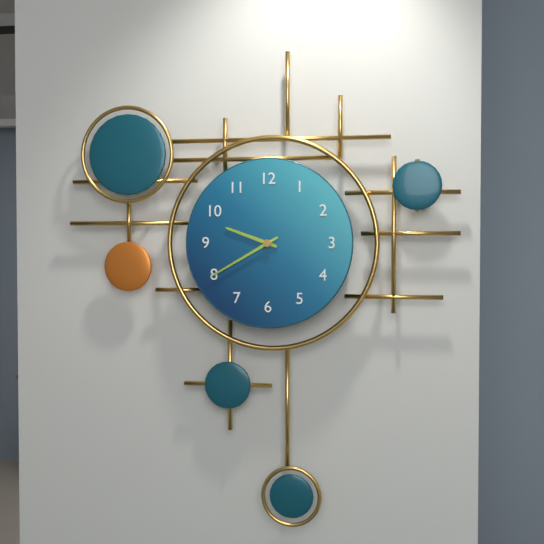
h=9 m=40
